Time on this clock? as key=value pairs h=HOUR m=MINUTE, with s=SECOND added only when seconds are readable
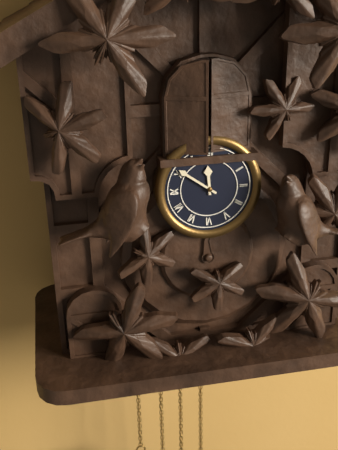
h=11 m=51
